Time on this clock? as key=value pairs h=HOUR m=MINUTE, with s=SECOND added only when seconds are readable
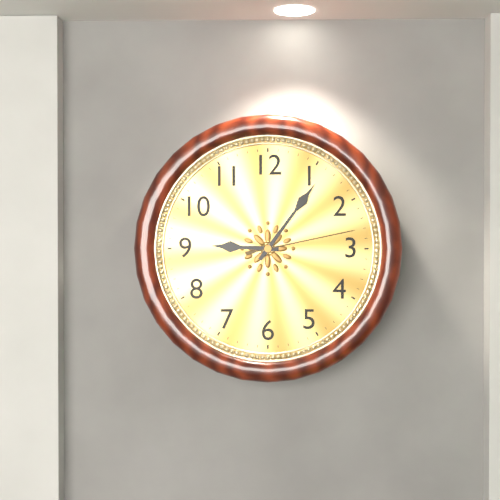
h=9 m=6 s=13
